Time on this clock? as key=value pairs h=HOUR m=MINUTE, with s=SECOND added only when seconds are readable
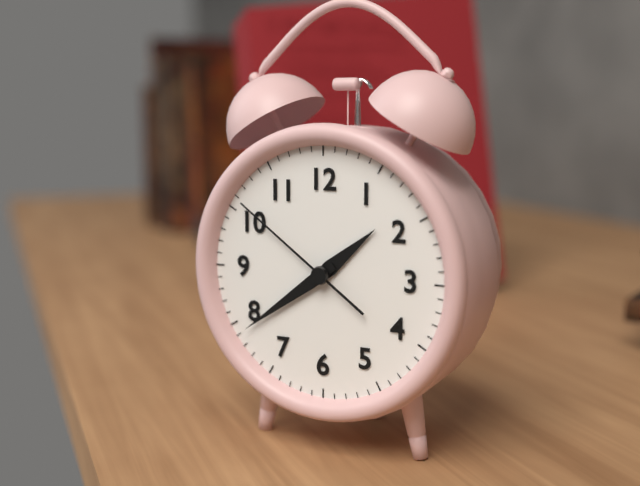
h=1 m=39 s=51
